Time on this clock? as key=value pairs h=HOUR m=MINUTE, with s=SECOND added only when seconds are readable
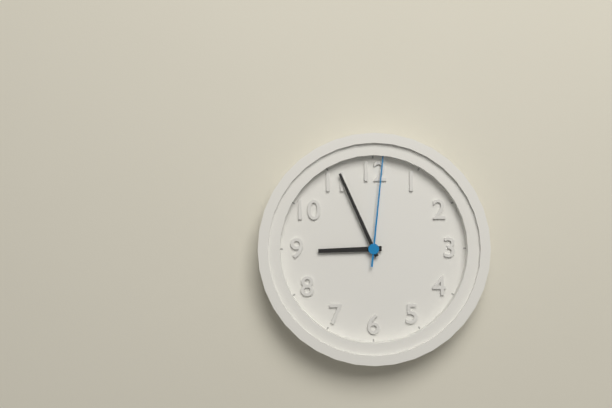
h=8 m=56 s=1
